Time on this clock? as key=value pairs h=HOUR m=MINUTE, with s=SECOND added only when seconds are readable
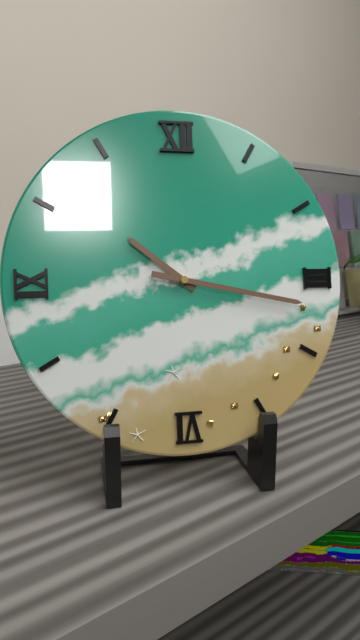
h=10 m=17
